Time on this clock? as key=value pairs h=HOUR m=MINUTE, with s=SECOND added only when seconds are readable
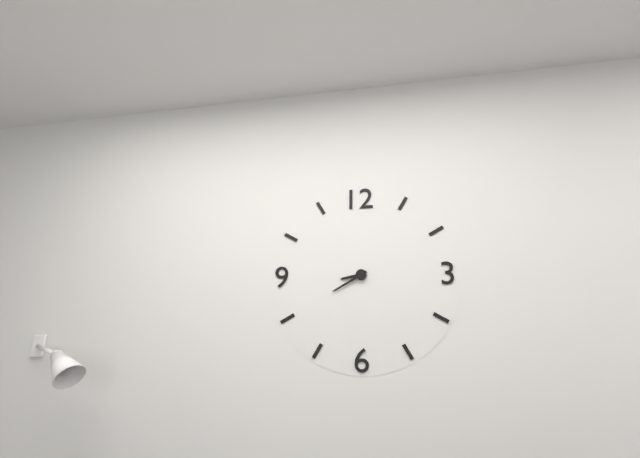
h=8 m=40
